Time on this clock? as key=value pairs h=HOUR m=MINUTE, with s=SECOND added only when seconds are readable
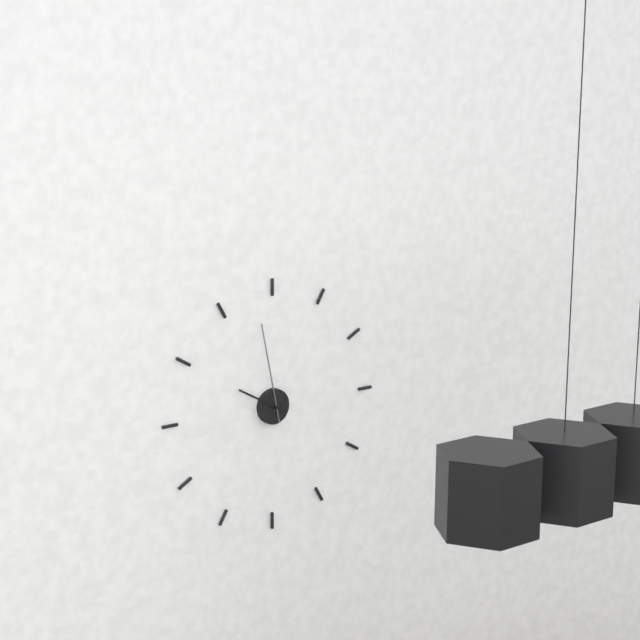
h=9 m=58
